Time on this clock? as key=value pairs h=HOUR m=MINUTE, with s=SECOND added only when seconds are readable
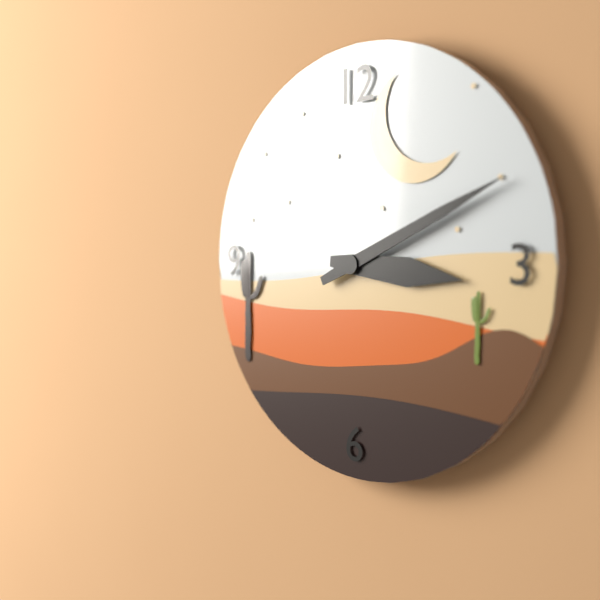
h=3 m=11
